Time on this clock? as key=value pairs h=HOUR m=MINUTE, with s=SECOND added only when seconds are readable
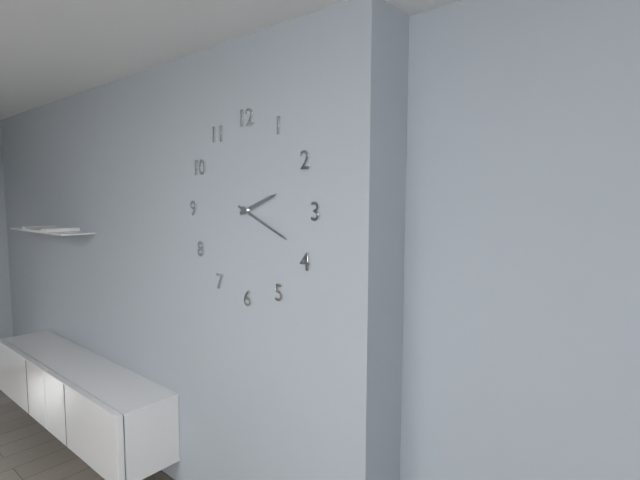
h=2 m=19
